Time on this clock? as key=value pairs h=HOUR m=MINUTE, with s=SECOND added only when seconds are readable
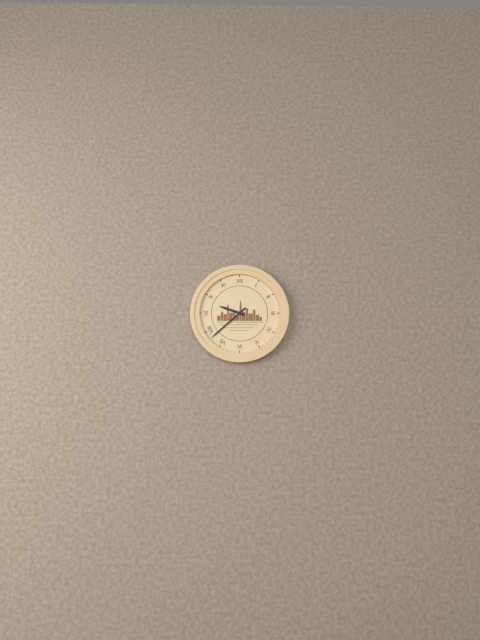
h=9 m=38
